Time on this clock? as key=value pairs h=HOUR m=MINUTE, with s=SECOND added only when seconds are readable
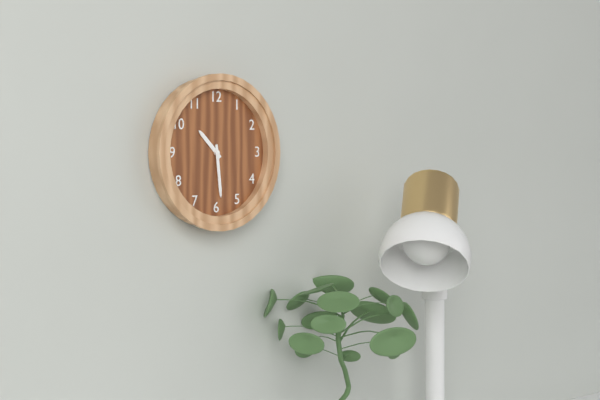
h=10 m=29
